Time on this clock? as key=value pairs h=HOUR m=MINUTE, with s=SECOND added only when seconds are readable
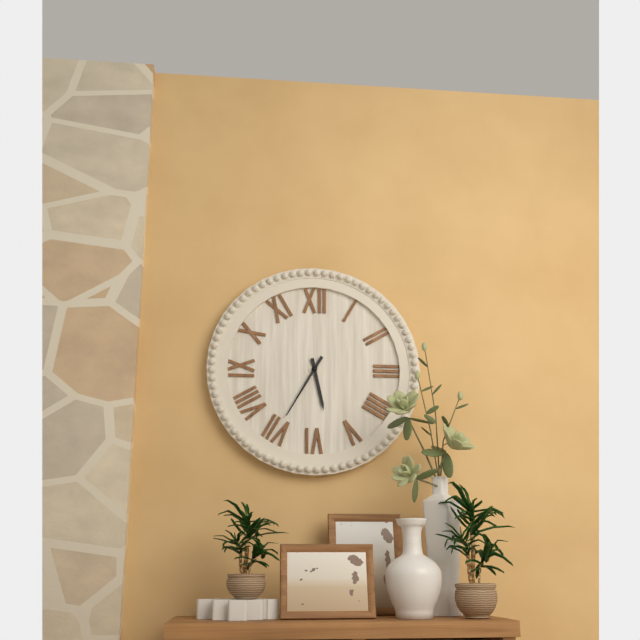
h=5 m=35
